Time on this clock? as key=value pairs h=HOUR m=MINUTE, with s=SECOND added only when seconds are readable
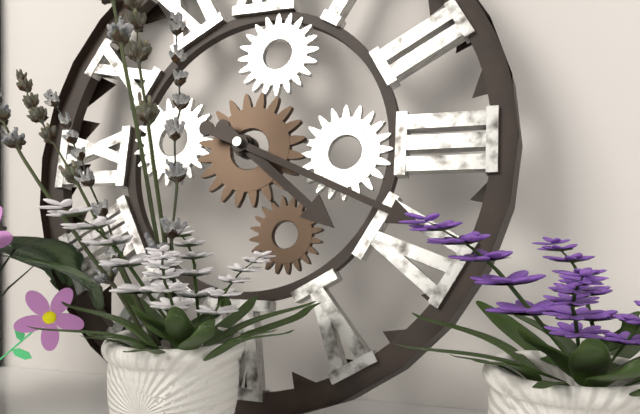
h=4 m=19
